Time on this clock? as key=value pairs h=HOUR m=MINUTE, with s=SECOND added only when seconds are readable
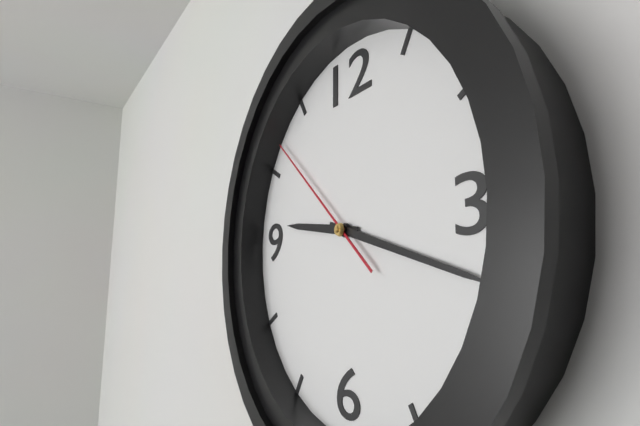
h=9 m=18 s=52
